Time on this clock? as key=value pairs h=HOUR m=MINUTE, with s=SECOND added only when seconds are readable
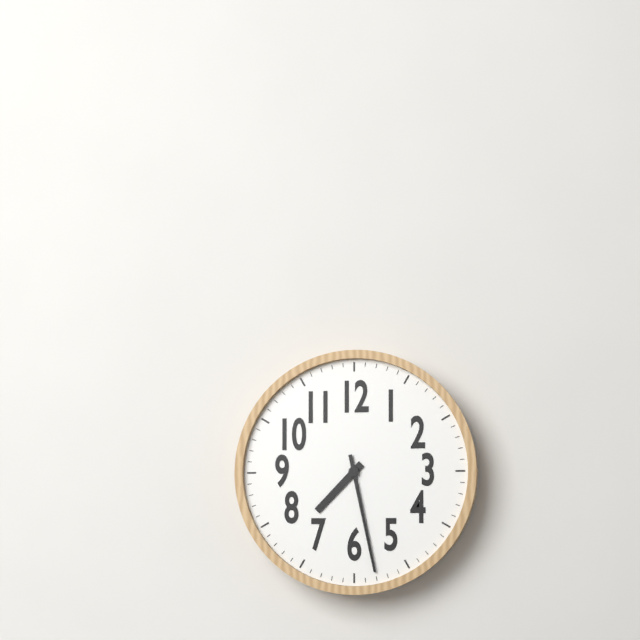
h=7 m=28
